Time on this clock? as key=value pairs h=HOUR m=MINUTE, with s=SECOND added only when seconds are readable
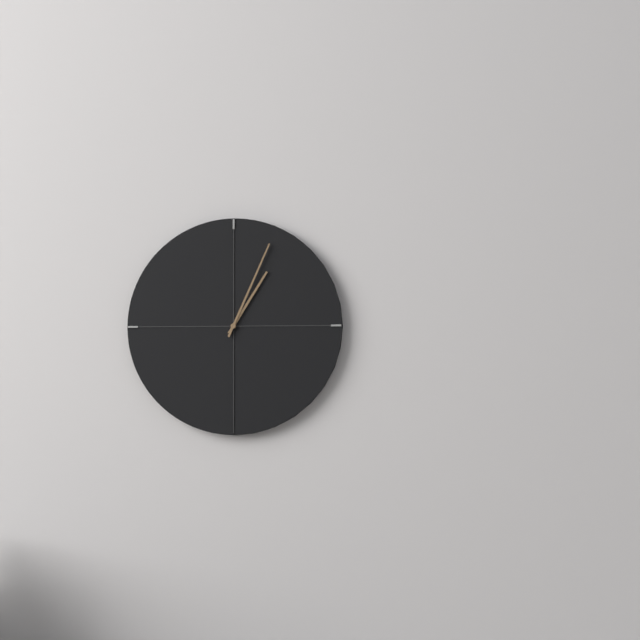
h=1 m=4
